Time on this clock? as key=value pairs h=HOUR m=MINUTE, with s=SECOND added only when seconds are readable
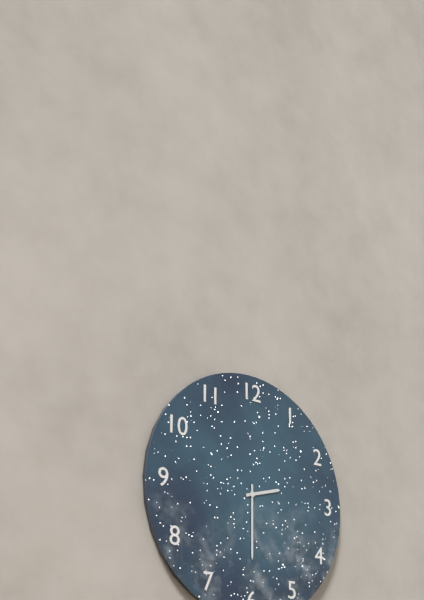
h=2 m=30
